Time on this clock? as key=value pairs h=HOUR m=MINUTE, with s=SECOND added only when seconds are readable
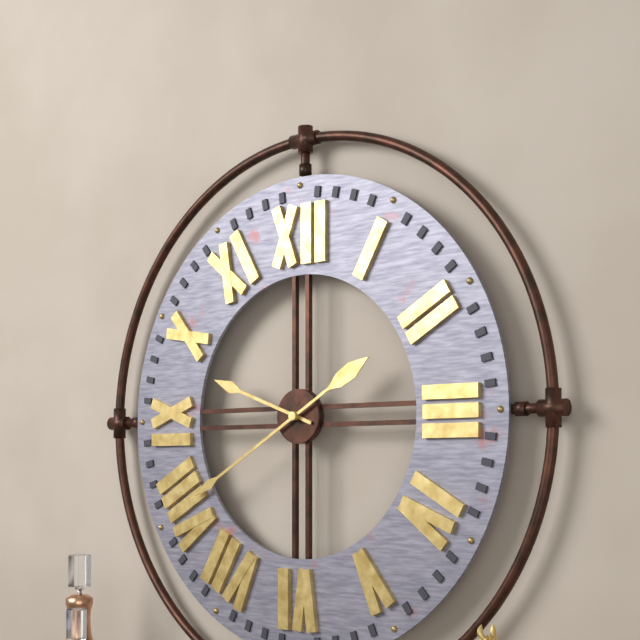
h=9 m=40
